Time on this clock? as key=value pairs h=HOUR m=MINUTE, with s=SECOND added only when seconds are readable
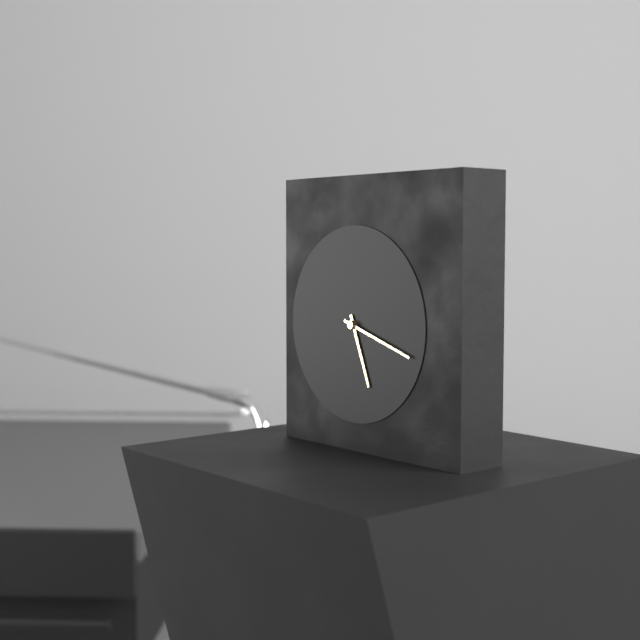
h=5 m=18
